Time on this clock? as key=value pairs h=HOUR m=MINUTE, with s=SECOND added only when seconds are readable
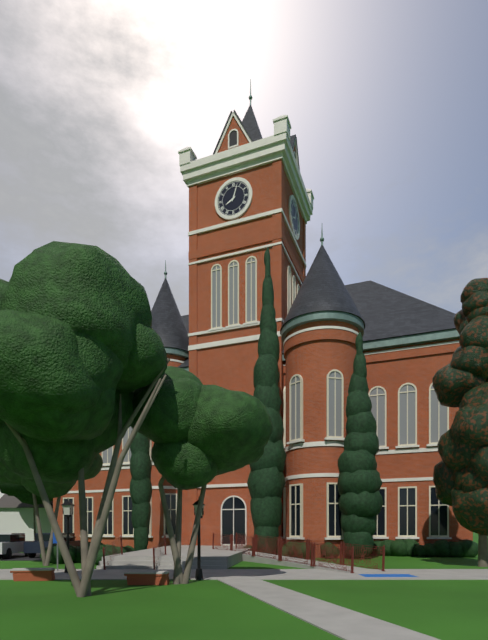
h=8 m=3
